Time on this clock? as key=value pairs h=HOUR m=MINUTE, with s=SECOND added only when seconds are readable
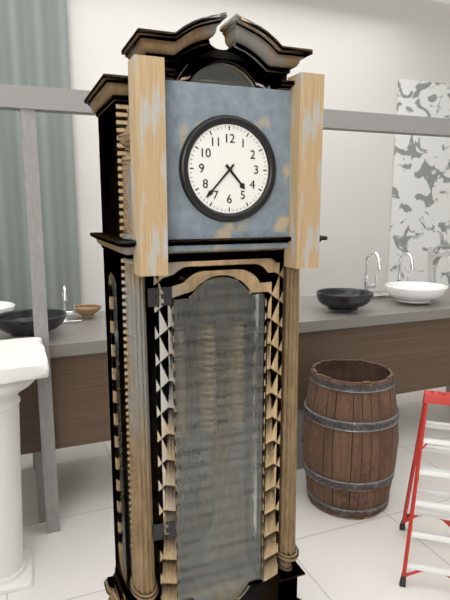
h=4 m=37
